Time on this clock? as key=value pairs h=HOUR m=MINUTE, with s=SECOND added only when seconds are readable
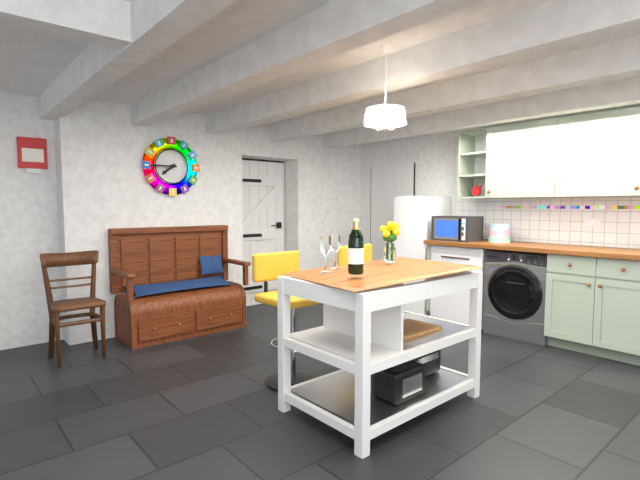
h=7 m=45
